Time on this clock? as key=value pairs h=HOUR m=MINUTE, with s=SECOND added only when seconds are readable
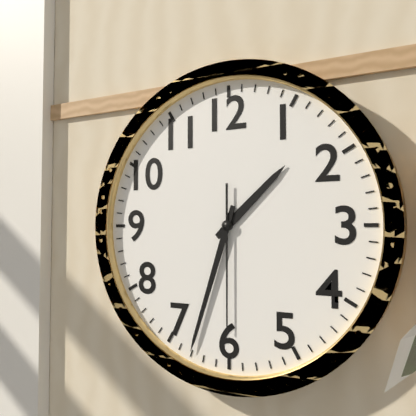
h=1 m=33 s=30
